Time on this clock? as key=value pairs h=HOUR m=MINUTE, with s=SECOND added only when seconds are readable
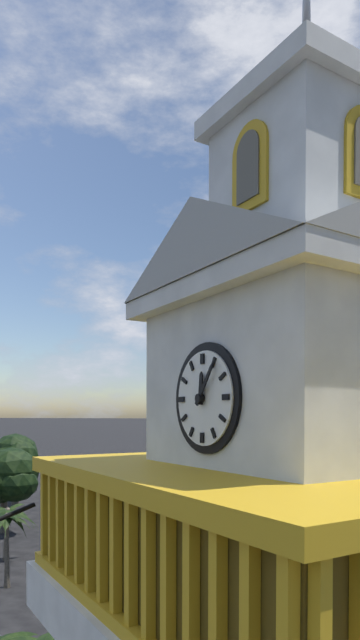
h=12 m=6
